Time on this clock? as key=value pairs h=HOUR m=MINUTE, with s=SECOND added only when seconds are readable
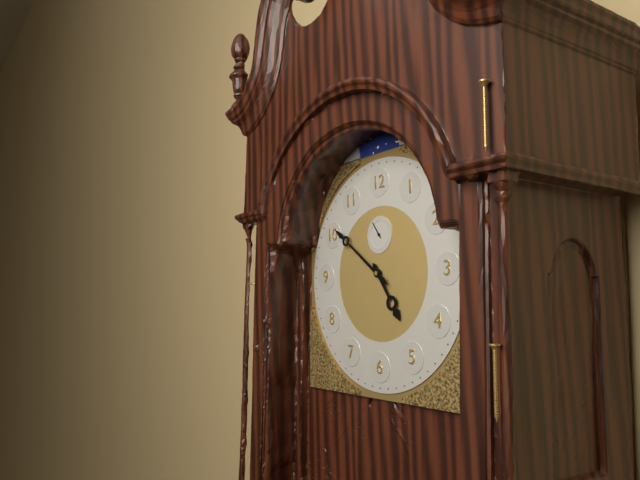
h=4 m=51
